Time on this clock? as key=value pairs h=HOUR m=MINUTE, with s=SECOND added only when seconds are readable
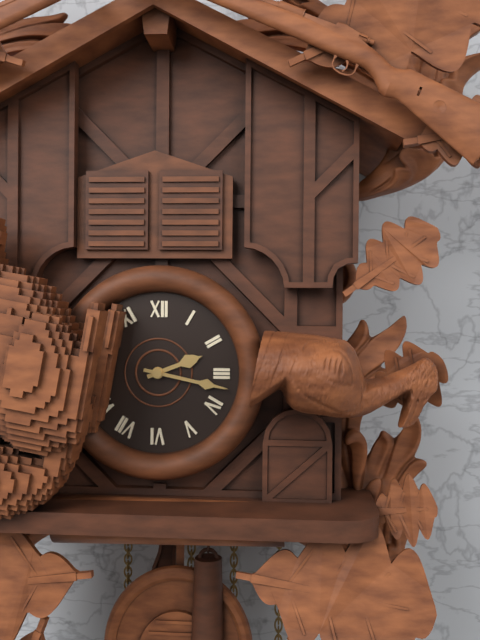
h=2 m=17
